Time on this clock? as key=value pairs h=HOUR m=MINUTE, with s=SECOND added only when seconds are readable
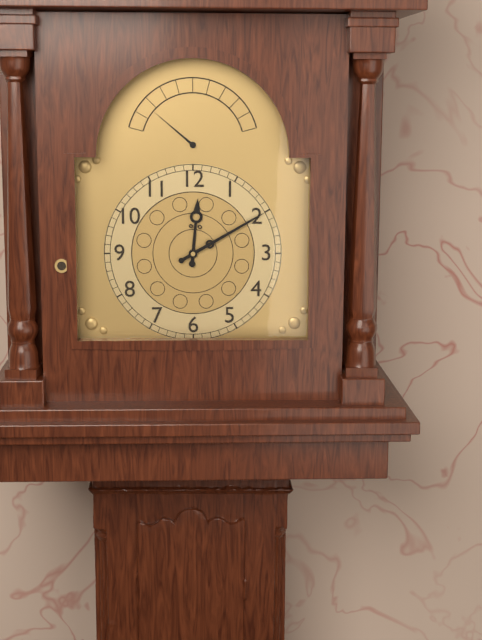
h=12 m=10
